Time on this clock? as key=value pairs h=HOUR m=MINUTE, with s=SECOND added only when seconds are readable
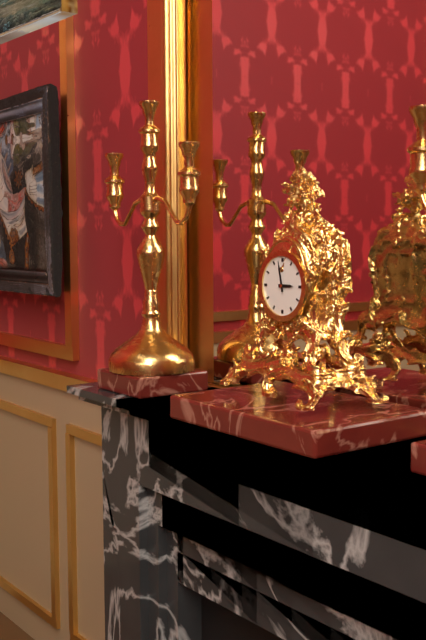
h=2 m=58
